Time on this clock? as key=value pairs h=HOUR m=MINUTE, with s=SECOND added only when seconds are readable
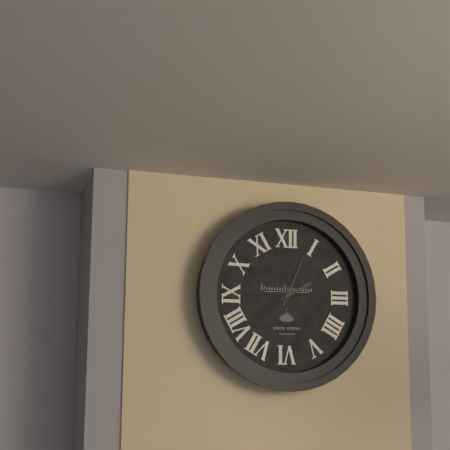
h=2 m=4
